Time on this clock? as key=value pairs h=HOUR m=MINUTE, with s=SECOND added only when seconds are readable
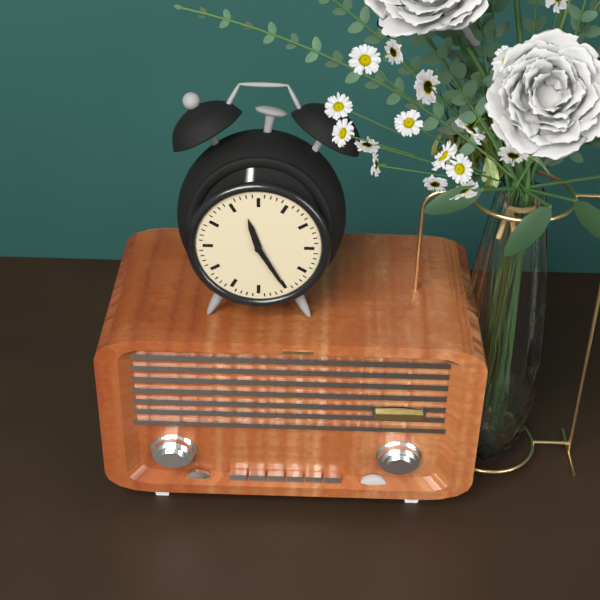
h=11 m=25
